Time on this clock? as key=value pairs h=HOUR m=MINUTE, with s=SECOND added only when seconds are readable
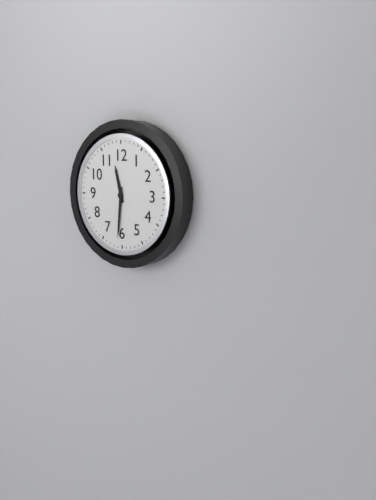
h=11 m=31
